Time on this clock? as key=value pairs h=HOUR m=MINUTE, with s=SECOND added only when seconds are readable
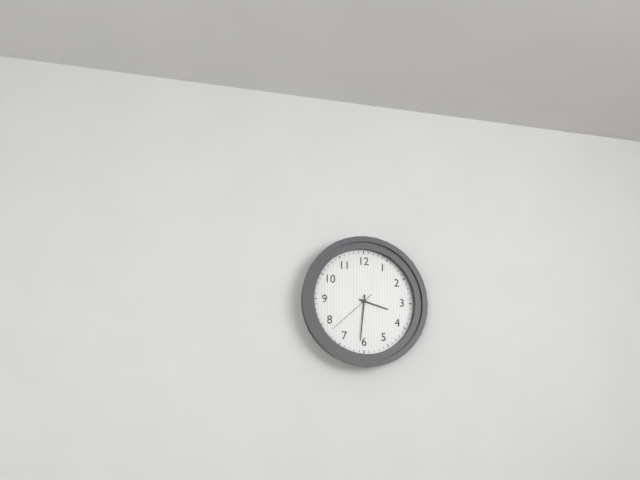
h=3 m=31 s=38
